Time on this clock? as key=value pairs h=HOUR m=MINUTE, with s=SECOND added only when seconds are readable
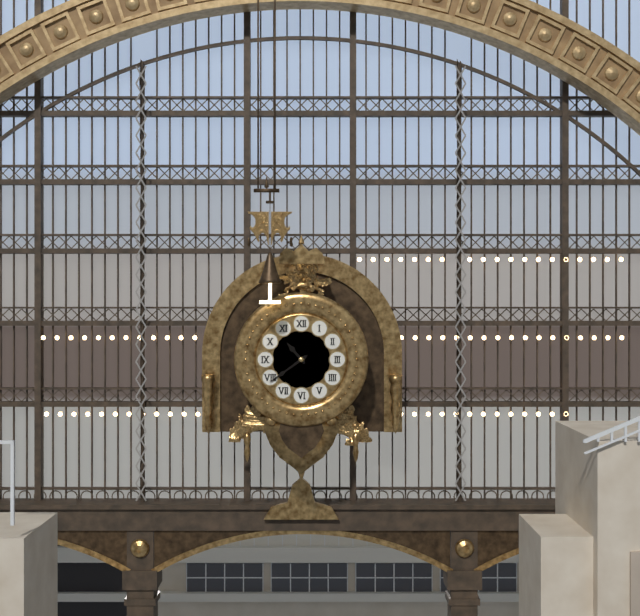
h=10 m=39
